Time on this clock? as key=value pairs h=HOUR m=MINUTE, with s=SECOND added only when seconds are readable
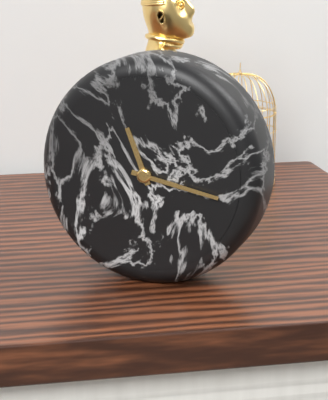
h=11 m=17
